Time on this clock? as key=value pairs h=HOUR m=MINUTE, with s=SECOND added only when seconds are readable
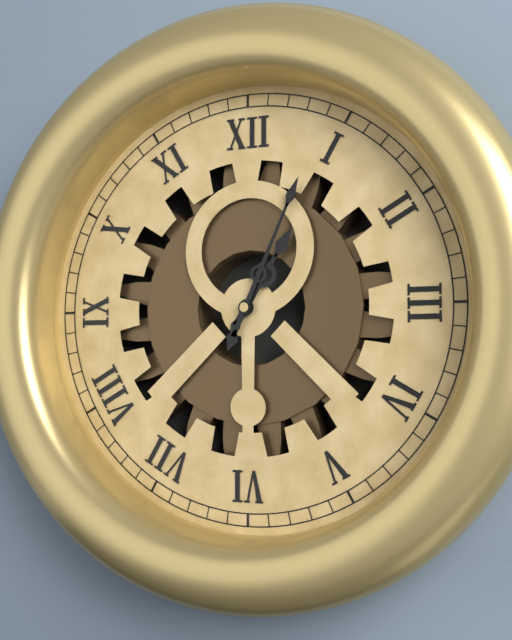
h=1 m=4
